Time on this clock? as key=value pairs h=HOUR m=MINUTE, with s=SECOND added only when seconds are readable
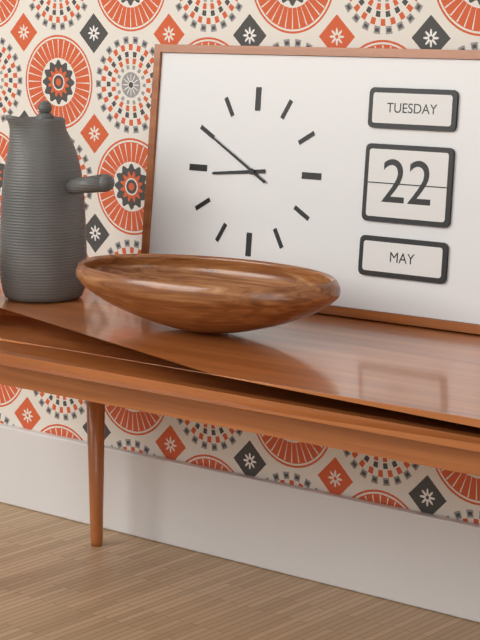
h=8 m=50
